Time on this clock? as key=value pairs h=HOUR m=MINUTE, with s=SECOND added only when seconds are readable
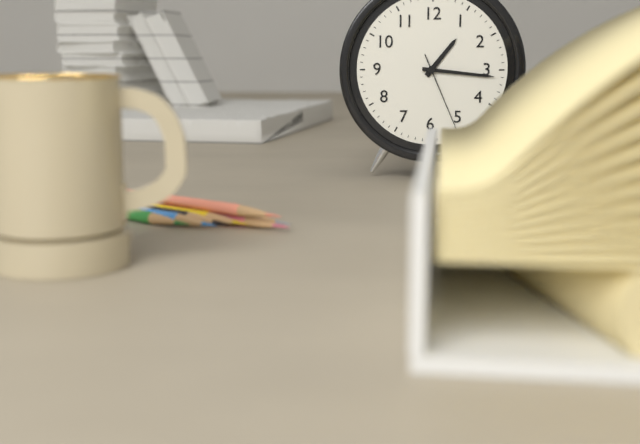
h=1 m=16 s=26
